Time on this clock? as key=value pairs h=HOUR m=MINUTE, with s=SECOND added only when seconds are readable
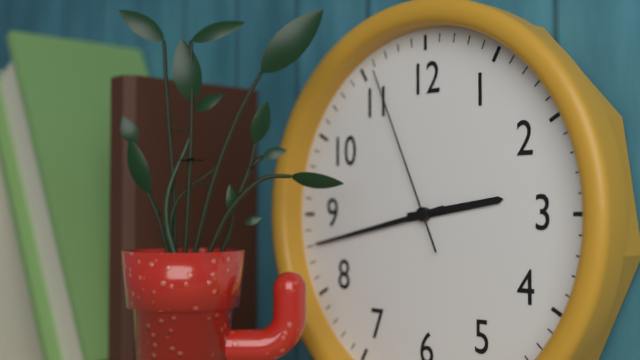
h=2 m=43 s=56
